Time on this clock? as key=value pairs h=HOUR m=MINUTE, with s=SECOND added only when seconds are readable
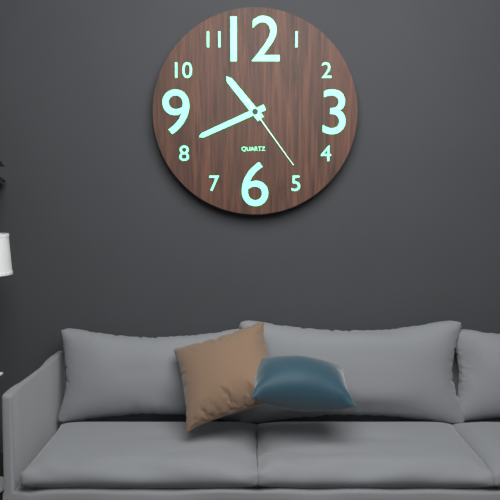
h=10 m=41 s=24
